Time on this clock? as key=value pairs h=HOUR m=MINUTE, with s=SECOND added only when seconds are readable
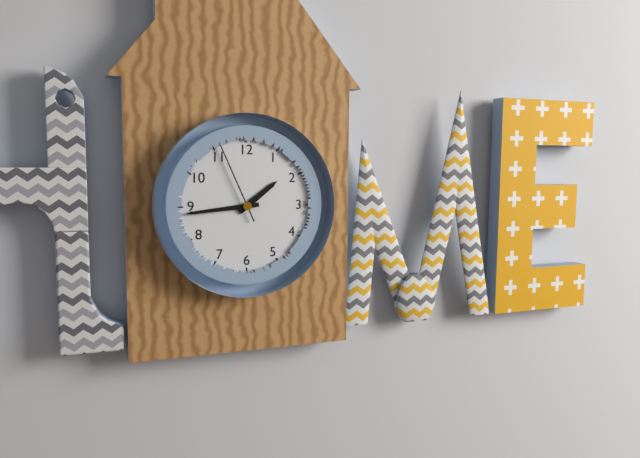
h=1 m=44 s=56
